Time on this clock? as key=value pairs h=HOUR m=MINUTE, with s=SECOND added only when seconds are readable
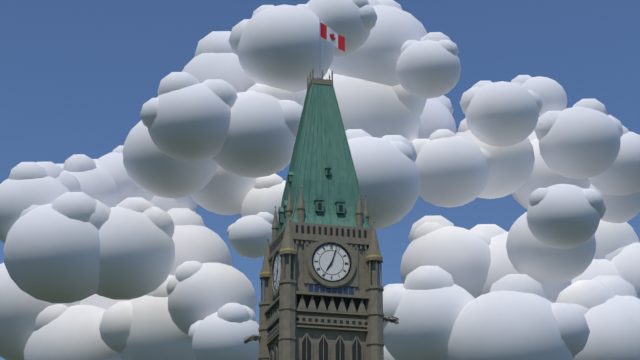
h=7 m=3
